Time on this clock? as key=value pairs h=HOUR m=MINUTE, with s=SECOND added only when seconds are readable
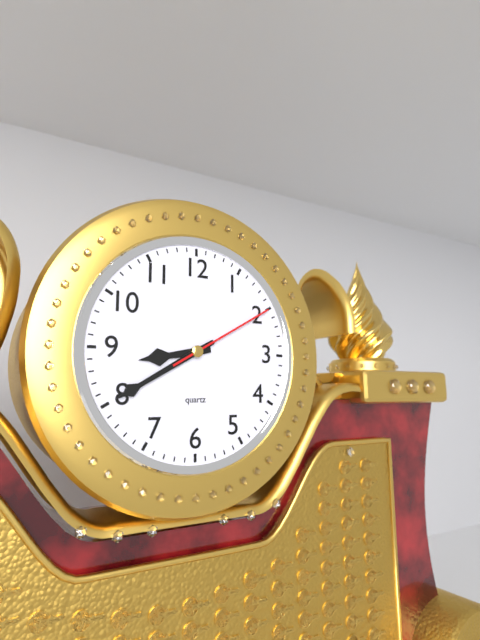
h=8 m=40 s=10
